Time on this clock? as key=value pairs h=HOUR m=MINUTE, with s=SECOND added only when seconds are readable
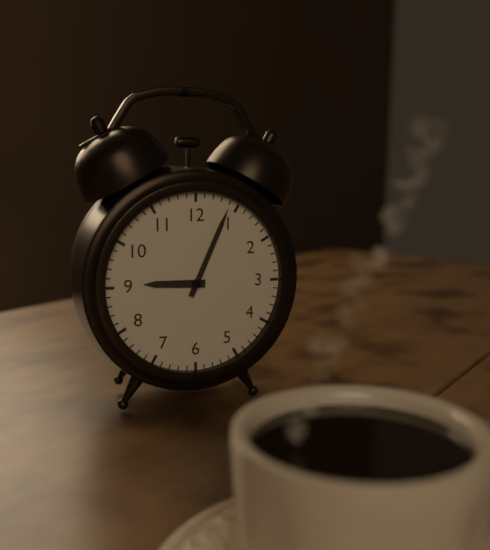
h=9 m=4
